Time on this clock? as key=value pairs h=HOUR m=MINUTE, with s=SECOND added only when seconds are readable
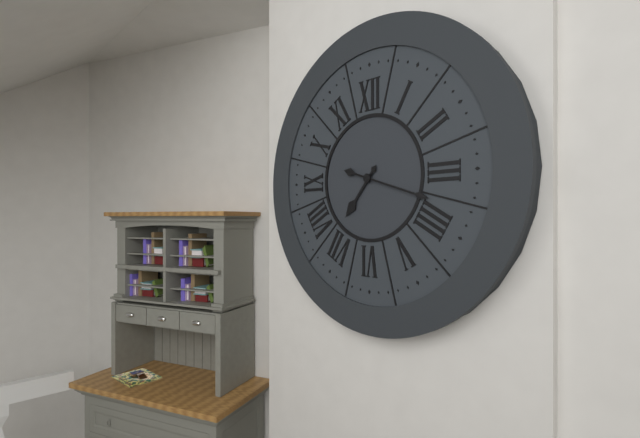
h=7 m=18
